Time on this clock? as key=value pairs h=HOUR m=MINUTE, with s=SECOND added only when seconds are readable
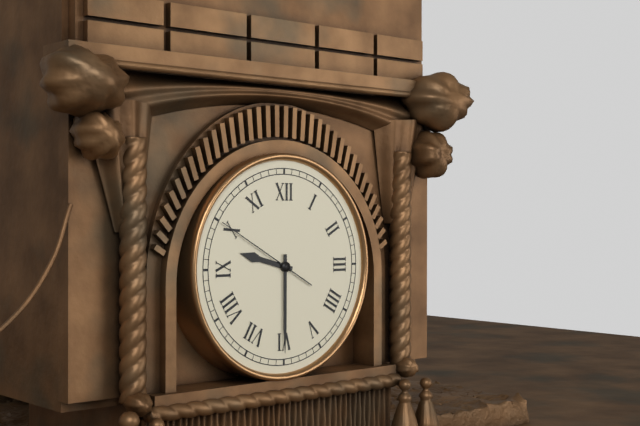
h=9 m=30 s=50
